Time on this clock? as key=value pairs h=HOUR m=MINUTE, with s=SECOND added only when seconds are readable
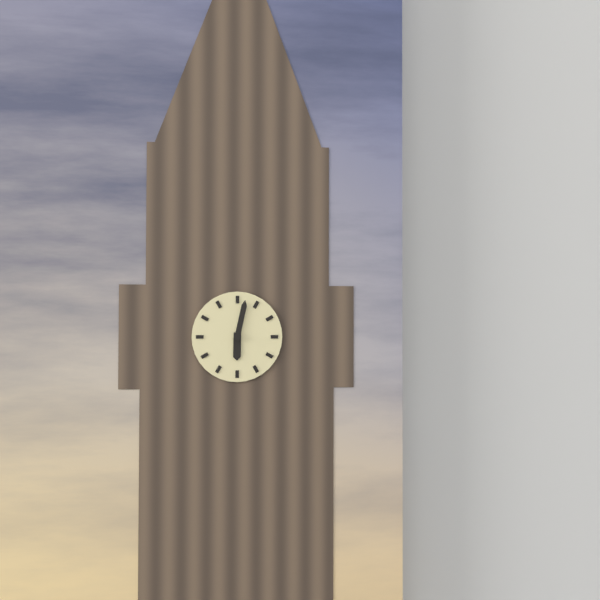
h=6 m=2
